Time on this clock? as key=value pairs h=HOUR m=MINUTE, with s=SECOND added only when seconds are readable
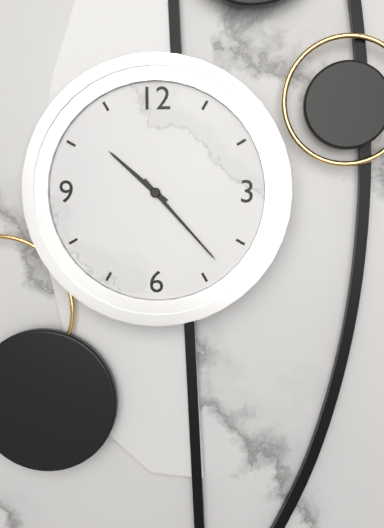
h=10 m=23
